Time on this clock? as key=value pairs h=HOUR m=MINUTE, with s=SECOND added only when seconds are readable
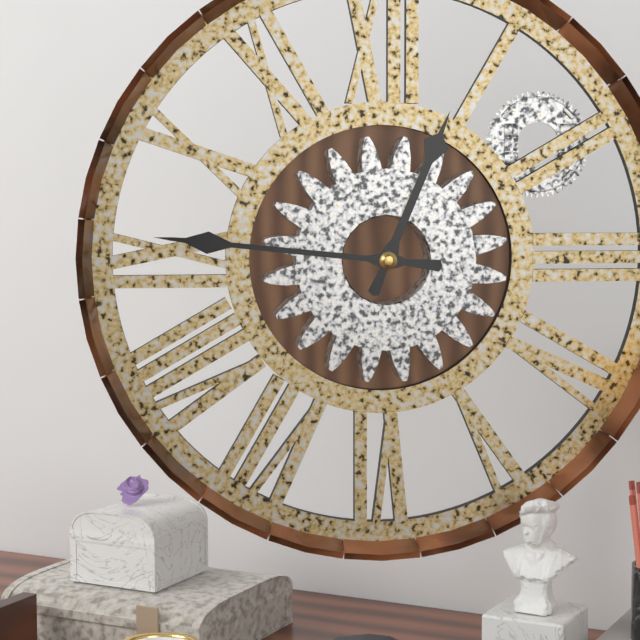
h=12 m=46
